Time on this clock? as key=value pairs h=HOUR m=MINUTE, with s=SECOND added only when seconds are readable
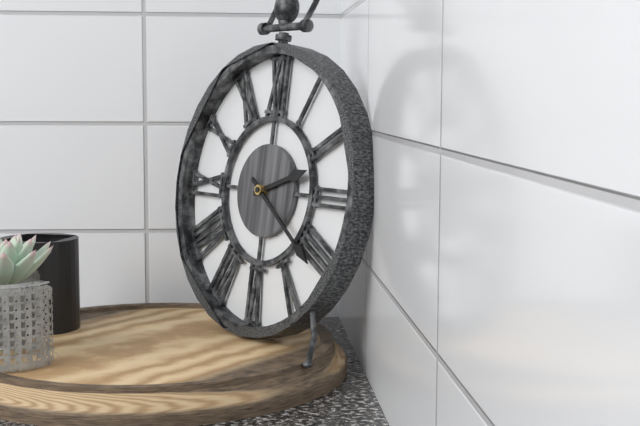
h=2 m=21
